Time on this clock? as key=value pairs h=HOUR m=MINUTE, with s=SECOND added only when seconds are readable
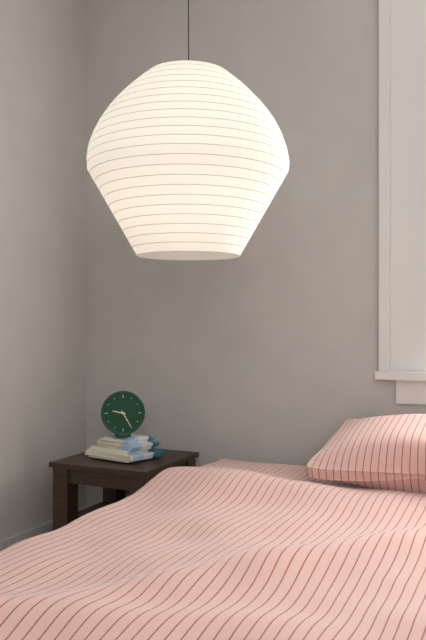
h=9 m=25
